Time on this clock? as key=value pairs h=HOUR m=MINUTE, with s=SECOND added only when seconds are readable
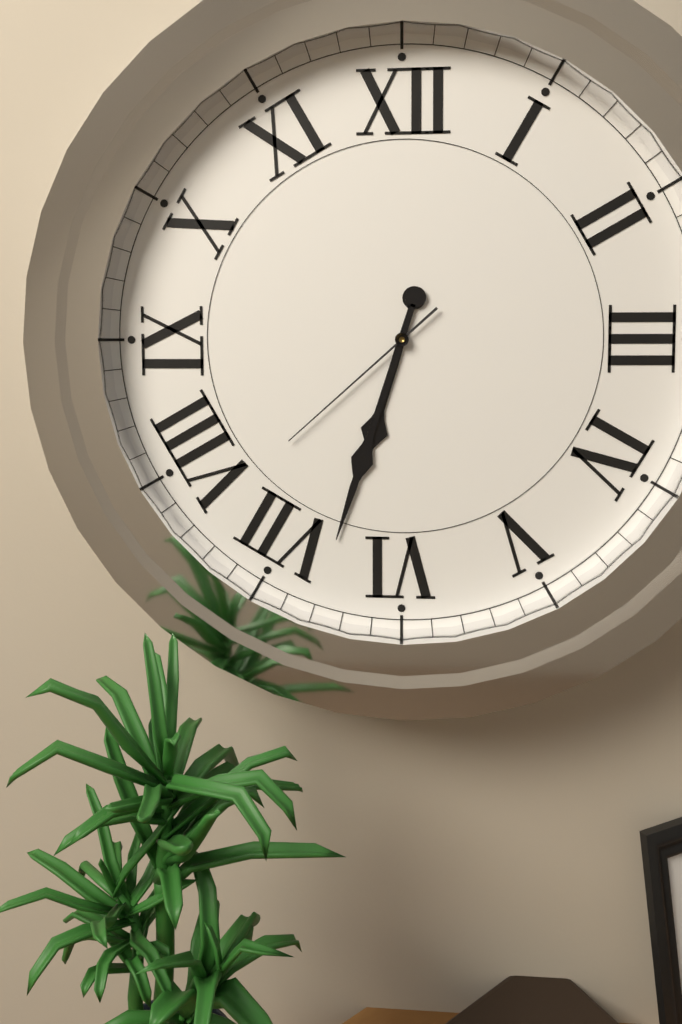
h=6 m=33 s=38
